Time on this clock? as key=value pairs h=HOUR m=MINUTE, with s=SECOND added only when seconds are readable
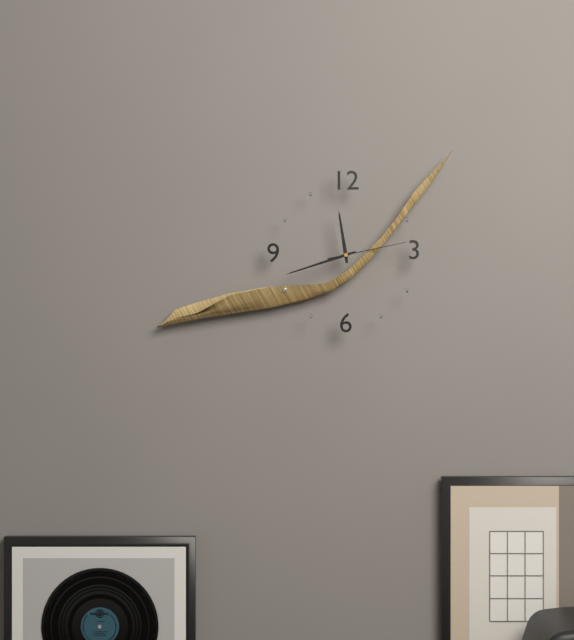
h=11 m=42 s=13
